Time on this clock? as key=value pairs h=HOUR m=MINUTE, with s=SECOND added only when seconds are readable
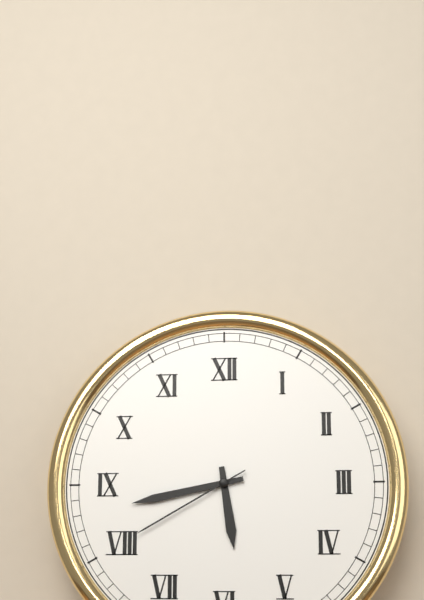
h=5 m=43 s=40
